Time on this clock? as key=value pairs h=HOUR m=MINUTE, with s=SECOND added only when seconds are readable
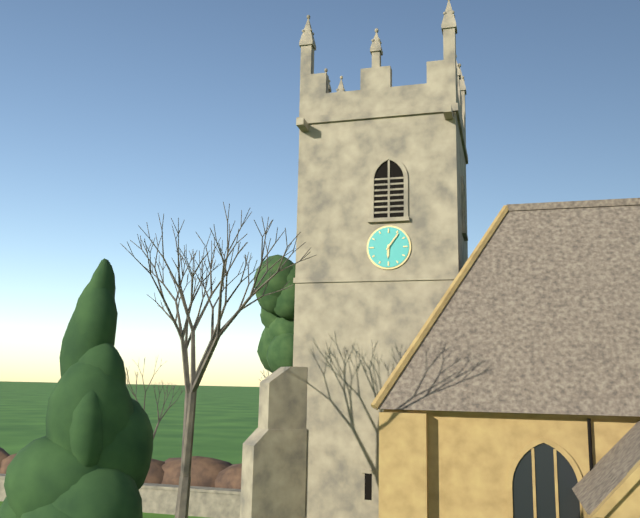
h=6 m=6
